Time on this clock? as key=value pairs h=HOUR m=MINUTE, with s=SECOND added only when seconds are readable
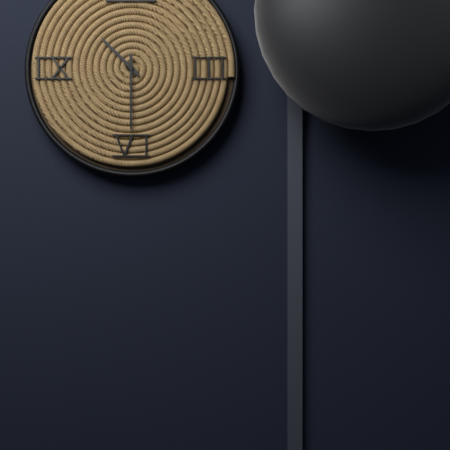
h=10 m=30
